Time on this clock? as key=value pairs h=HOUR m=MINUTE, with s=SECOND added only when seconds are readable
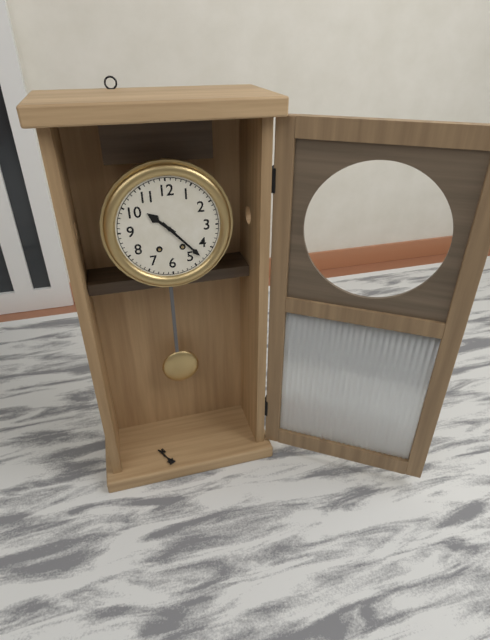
h=10 m=23
